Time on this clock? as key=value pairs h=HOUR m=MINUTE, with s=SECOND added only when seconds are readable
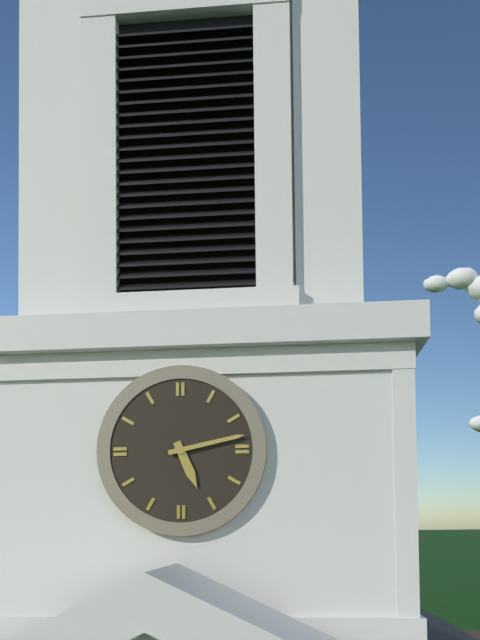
h=5 m=13
